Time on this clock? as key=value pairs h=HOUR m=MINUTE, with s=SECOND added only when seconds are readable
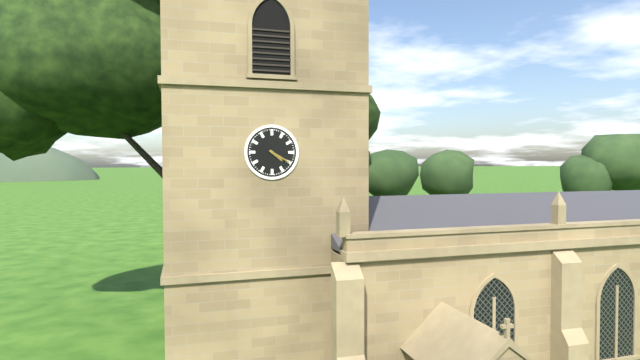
h=4 m=20
